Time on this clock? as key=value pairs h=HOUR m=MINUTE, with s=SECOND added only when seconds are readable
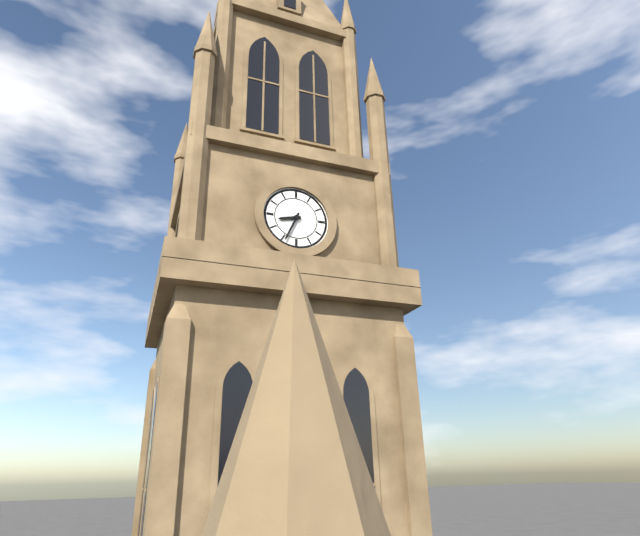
h=8 m=34
